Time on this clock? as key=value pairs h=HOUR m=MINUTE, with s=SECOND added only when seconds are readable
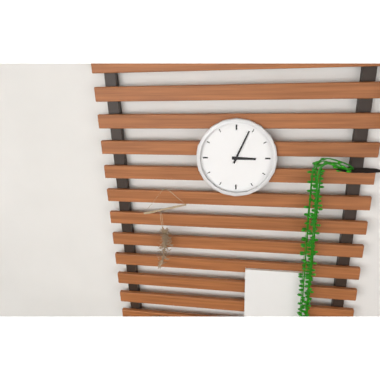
h=3 m=4
